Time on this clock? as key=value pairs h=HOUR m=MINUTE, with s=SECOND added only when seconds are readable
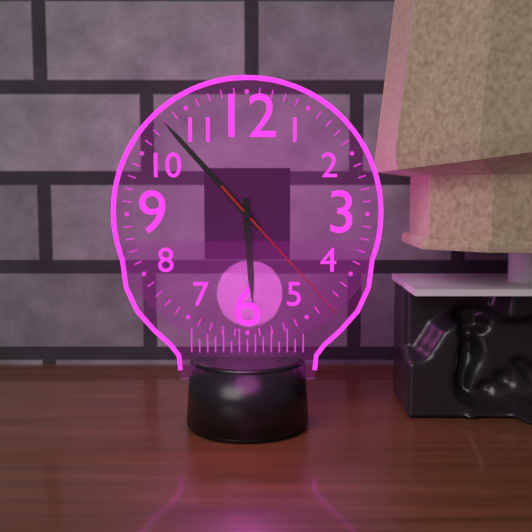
h=5 m=53 s=23
